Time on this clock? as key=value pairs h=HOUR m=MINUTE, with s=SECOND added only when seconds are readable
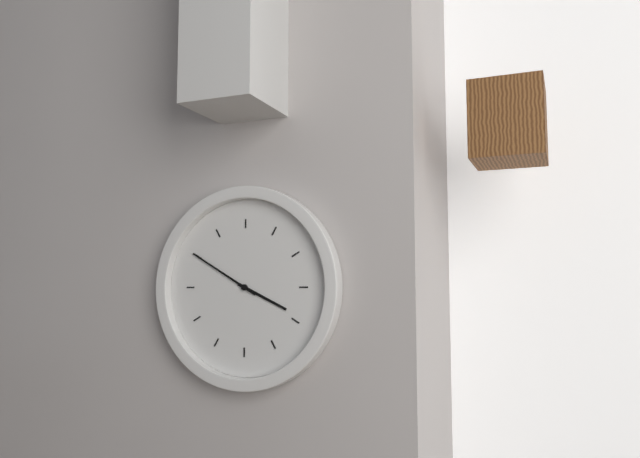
h=3 m=50
